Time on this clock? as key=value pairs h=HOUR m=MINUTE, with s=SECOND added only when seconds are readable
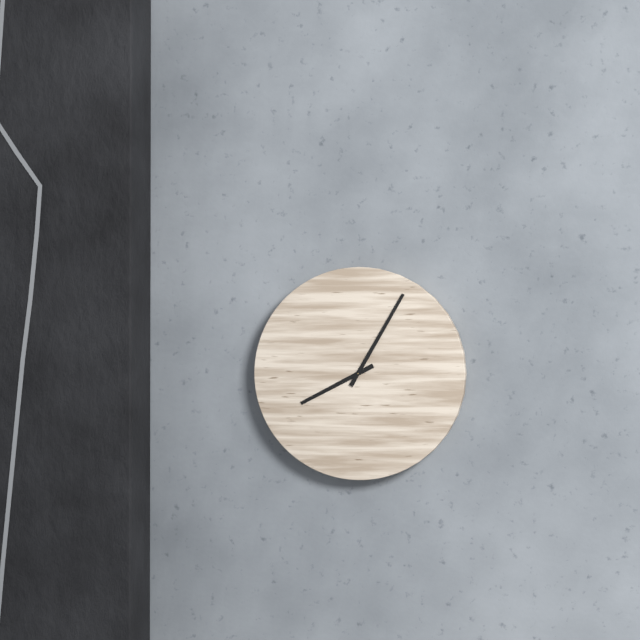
h=8 m=5
